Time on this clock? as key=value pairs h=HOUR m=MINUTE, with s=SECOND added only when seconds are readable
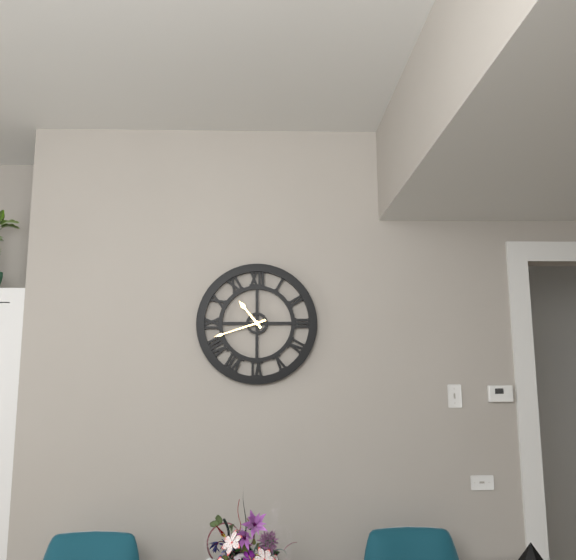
h=10 m=42
